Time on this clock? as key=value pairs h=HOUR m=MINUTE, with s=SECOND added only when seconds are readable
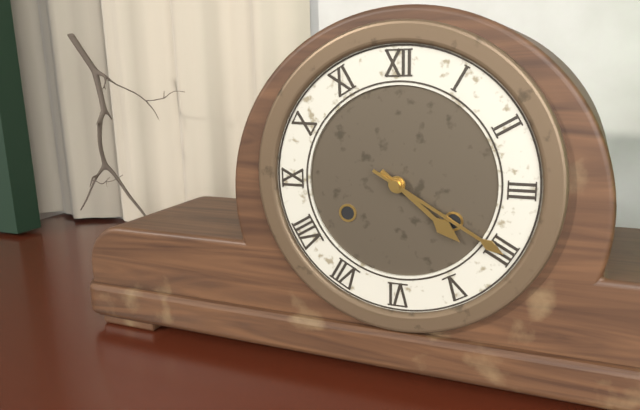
h=4 m=20
